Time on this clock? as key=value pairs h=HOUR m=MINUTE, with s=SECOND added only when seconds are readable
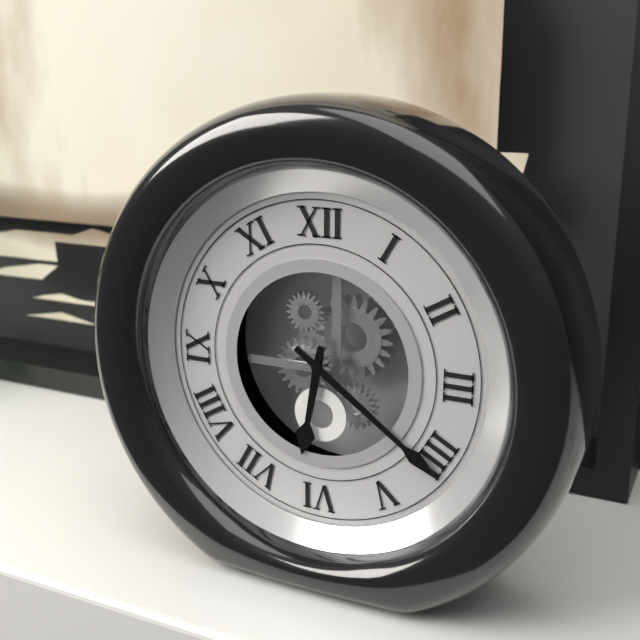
h=6 m=21
